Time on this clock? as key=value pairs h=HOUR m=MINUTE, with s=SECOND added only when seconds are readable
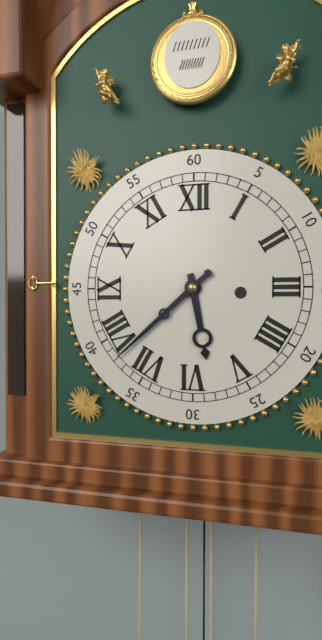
h=5 m=38
